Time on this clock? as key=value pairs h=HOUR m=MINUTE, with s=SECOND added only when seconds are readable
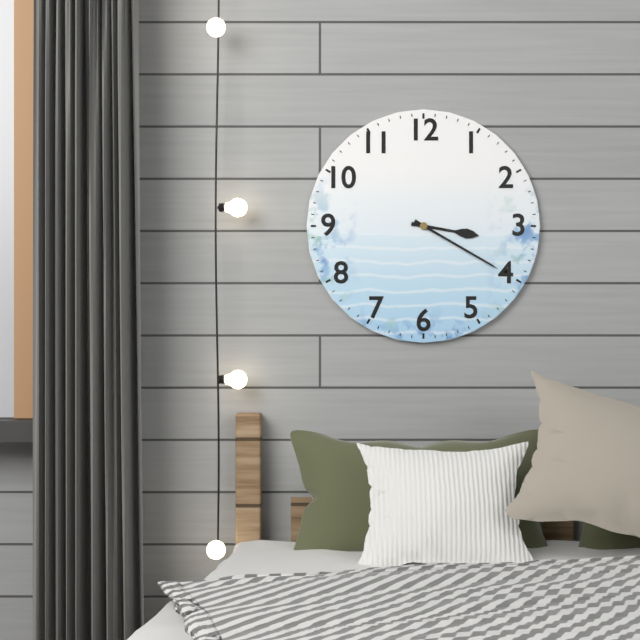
h=3 m=20
